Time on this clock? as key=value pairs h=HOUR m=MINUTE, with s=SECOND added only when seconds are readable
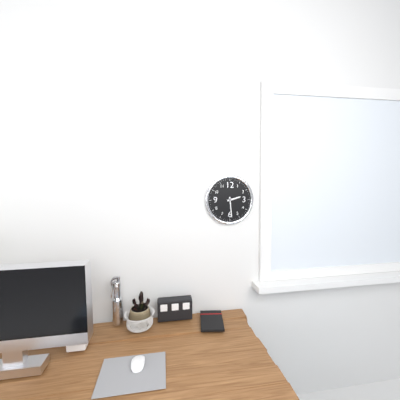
h=2 m=29
